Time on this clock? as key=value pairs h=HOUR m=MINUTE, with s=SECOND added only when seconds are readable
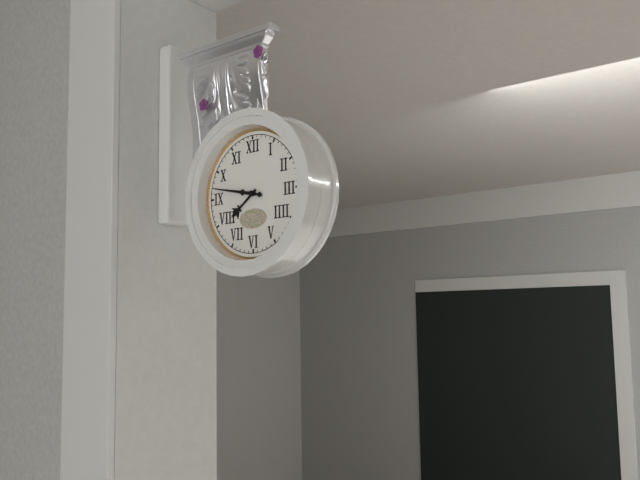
h=7 m=47
